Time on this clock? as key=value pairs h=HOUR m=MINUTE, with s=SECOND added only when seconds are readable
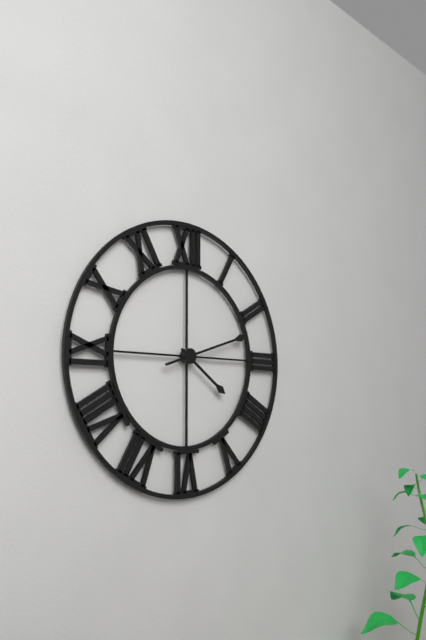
h=4 m=12
